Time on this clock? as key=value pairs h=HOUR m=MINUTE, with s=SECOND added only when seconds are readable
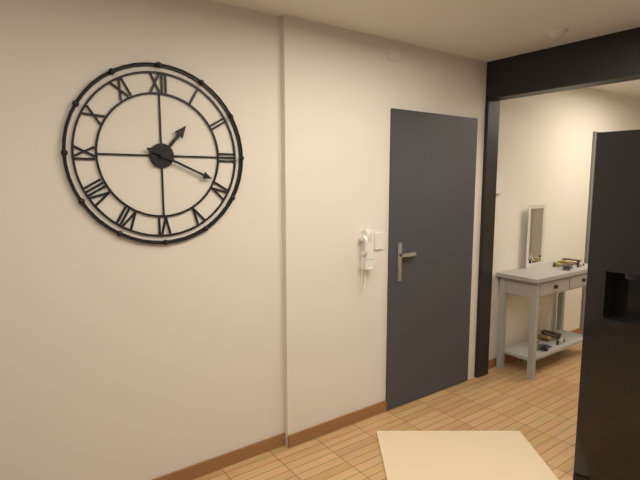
h=1 m=19
